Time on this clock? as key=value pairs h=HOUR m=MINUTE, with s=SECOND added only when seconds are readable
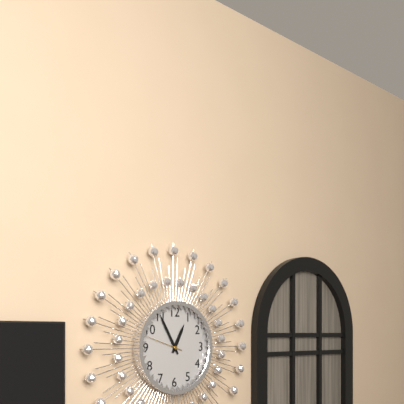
h=12 m=55
